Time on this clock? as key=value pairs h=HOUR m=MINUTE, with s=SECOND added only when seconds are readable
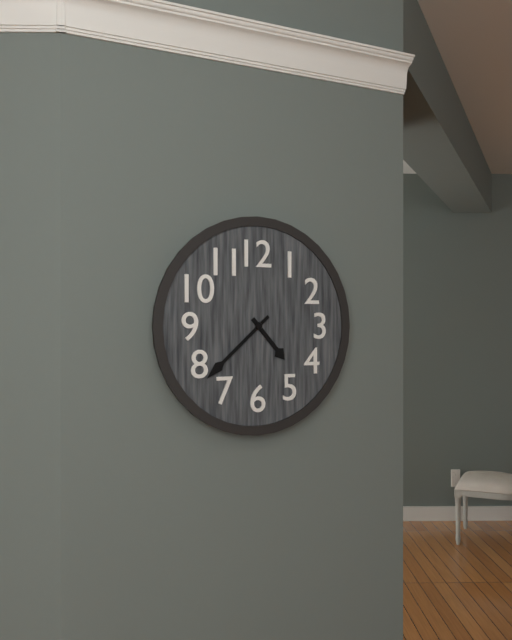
h=4 m=38
